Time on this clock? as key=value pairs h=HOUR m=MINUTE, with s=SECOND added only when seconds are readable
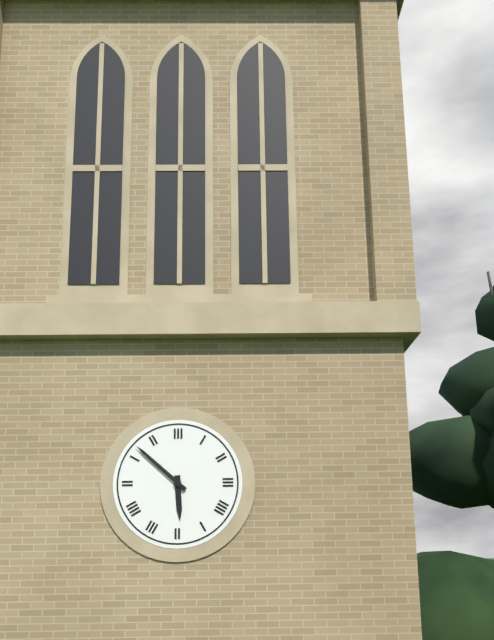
h=5 m=52
